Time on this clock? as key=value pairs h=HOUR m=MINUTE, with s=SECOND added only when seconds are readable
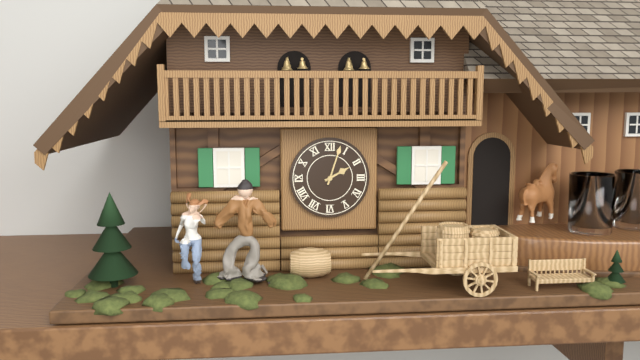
h=2 m=3
